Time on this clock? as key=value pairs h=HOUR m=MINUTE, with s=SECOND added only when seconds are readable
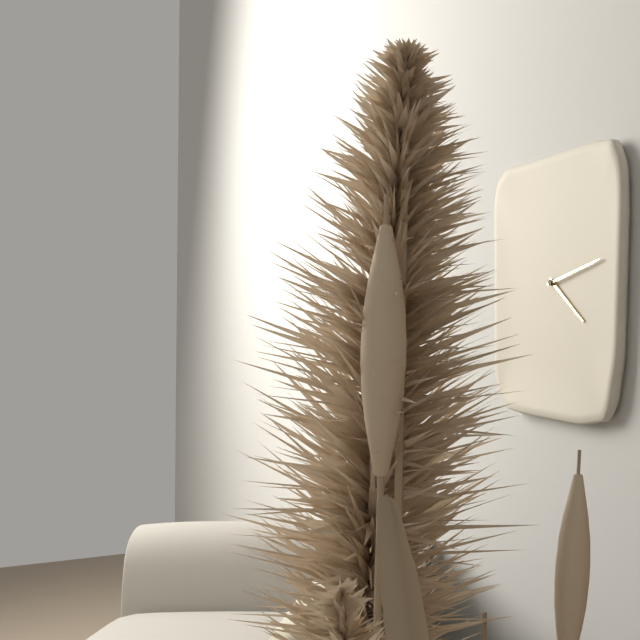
h=4 m=13
